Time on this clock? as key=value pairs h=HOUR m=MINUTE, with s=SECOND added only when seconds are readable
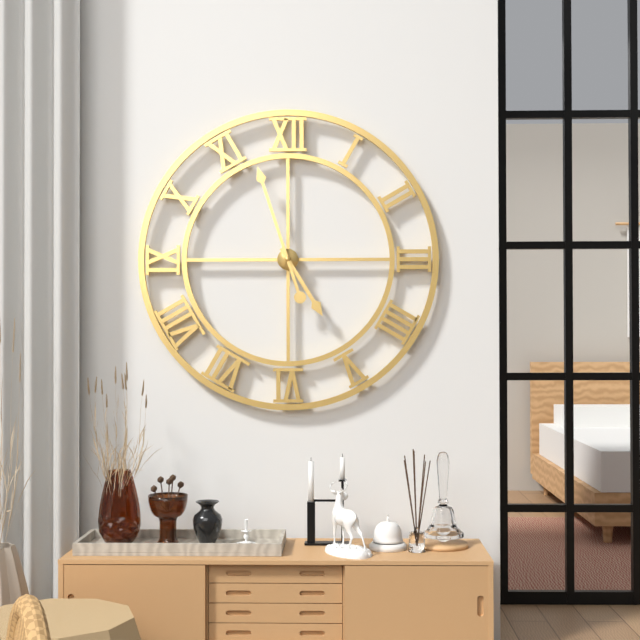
h=4 m=57
